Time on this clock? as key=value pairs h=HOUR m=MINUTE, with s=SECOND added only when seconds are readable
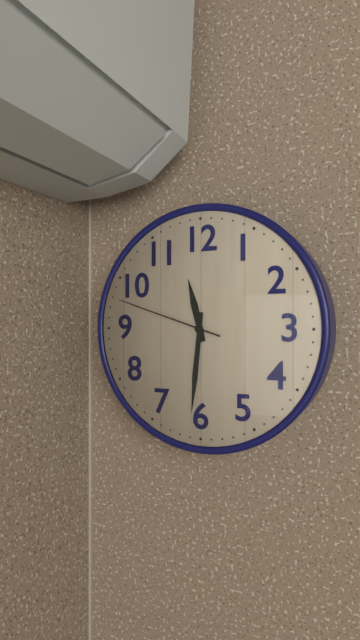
h=11 m=31 s=48
